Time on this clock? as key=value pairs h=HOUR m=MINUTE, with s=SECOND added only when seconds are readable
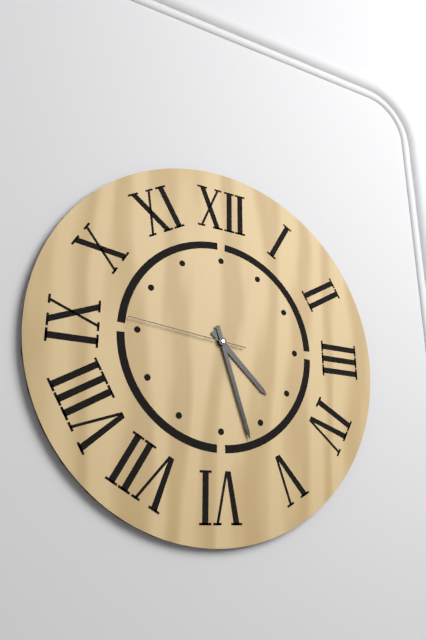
h=4 m=27 s=46
